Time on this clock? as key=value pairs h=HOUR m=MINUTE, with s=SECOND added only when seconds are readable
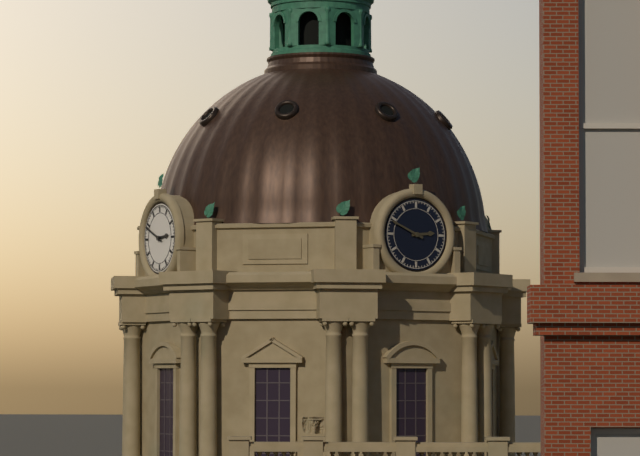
h=2 m=49
